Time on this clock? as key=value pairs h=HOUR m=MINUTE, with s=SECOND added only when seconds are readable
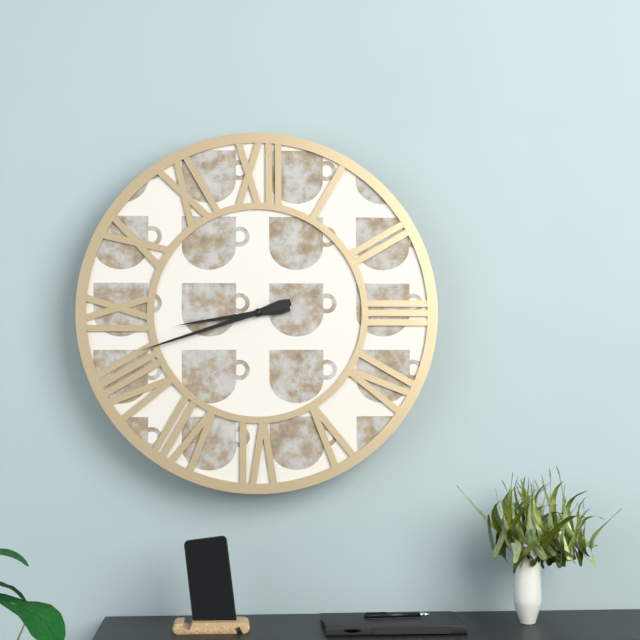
h=8 m=42
